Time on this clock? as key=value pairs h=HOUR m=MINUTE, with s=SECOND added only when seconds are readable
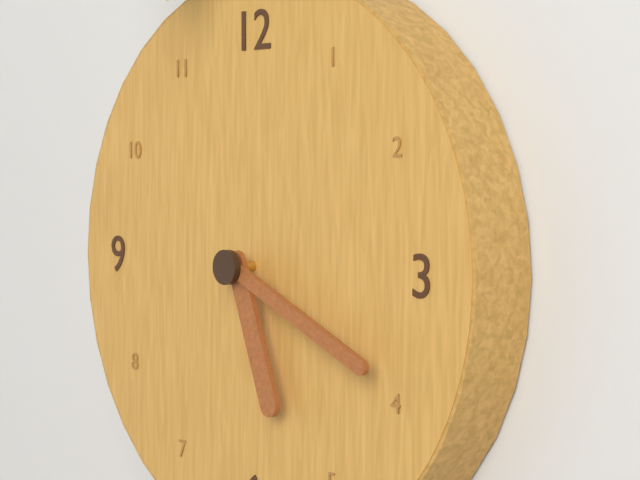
h=5 m=19
